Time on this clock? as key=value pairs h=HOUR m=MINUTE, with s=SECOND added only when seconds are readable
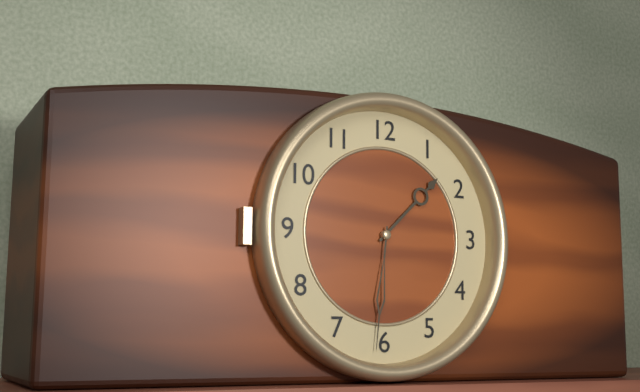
h=1 m=31
